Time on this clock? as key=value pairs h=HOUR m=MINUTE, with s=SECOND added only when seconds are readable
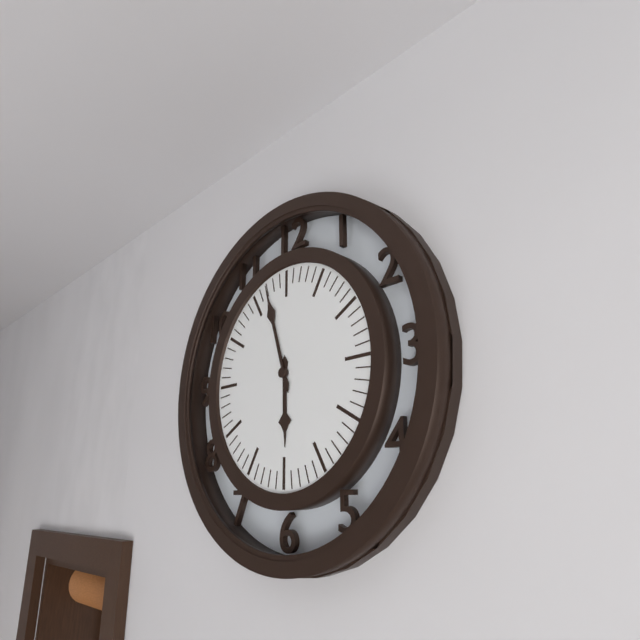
h=5 m=57
